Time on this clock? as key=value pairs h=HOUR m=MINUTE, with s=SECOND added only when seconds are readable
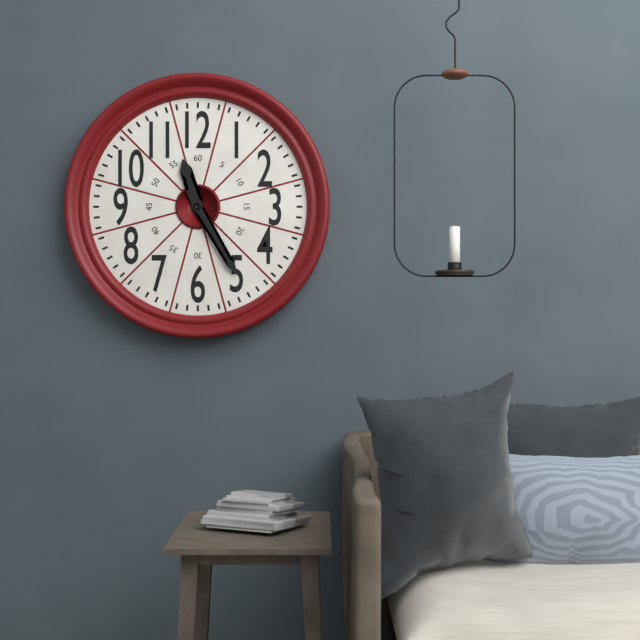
h=11 m=25
